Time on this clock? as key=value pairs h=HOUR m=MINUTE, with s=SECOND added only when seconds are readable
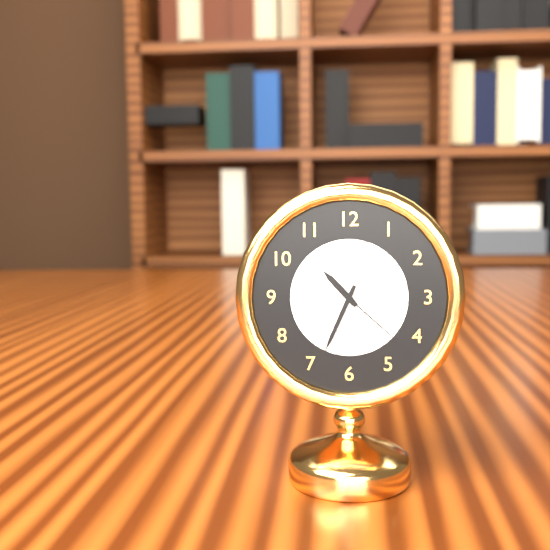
h=10 m=34 s=22
